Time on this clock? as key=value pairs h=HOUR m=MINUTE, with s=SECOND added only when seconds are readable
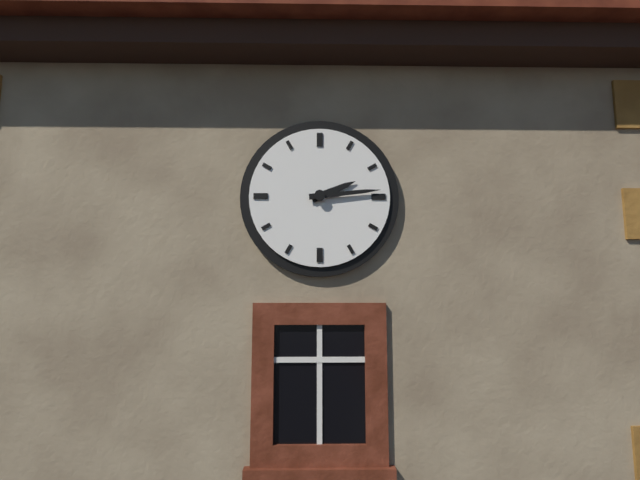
h=2 m=14
